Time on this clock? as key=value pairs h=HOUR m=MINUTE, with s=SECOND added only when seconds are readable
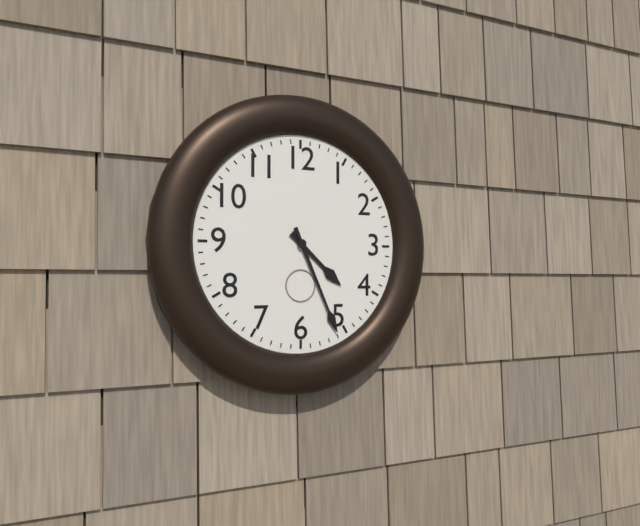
h=4 m=26
